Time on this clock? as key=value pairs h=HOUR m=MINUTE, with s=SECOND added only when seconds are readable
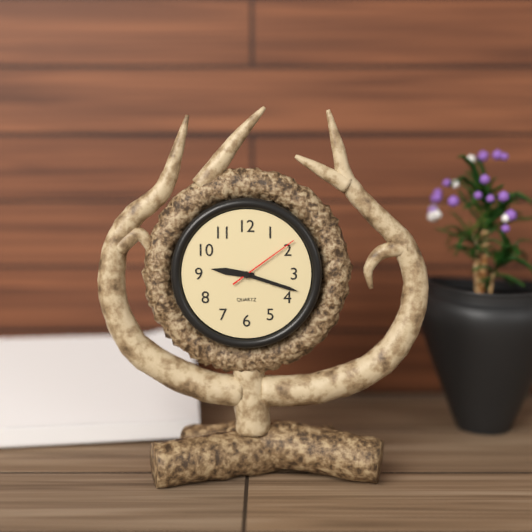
h=9 m=18 s=9
